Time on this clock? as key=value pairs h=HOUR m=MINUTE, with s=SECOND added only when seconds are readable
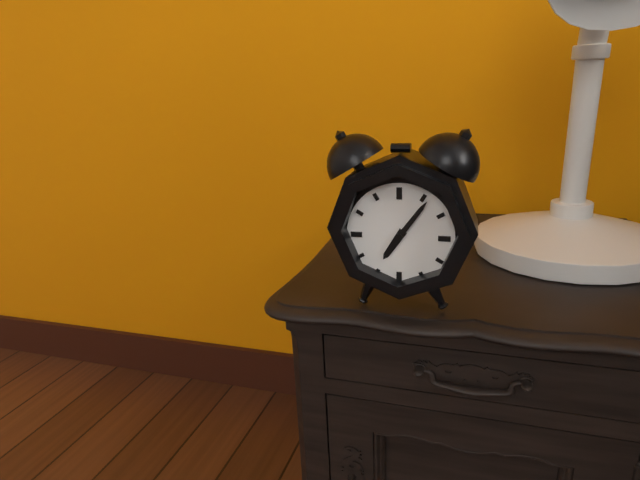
h=7 m=6
